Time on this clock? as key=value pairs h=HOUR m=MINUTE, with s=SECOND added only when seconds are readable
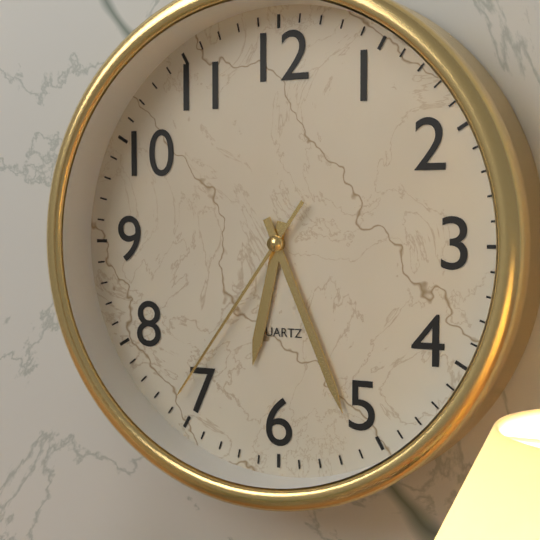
h=6 m=26 s=36
